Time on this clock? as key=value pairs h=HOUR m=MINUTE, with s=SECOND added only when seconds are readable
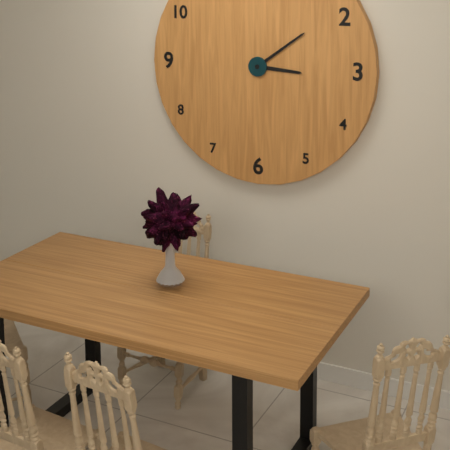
h=3 m=9
